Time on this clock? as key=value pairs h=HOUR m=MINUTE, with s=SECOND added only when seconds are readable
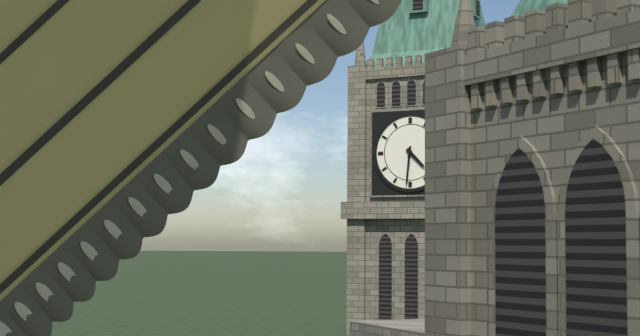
h=4 m=31
